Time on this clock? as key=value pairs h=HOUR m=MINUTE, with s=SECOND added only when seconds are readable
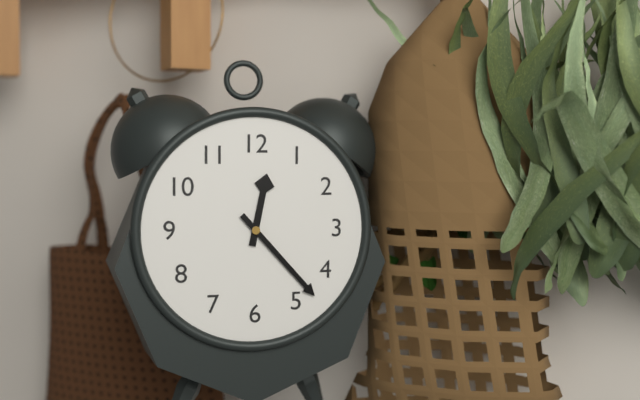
h=12 m=23
